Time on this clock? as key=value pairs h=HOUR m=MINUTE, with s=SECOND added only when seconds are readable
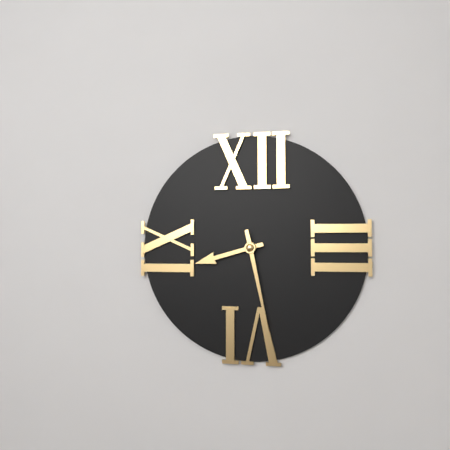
h=8 m=28
